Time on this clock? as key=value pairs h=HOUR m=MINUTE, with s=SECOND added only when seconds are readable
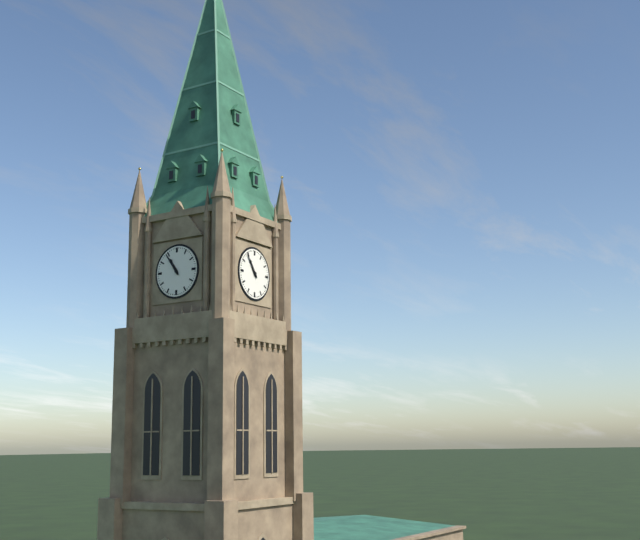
h=10 m=54
